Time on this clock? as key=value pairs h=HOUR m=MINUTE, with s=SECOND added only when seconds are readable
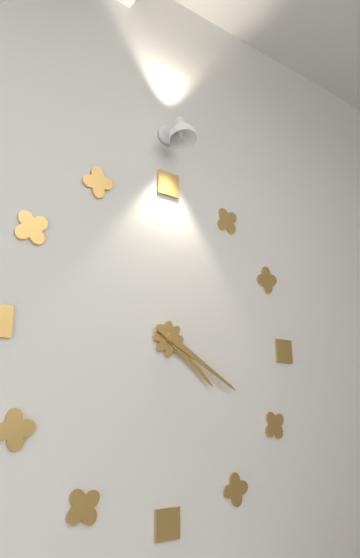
h=4 m=20
